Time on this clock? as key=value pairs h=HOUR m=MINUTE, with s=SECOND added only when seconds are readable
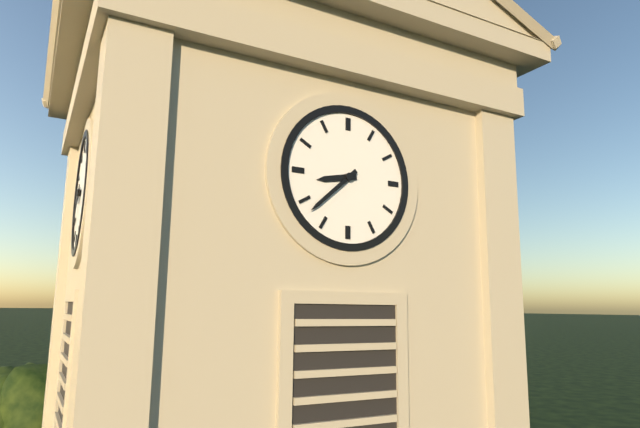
h=8 m=38
